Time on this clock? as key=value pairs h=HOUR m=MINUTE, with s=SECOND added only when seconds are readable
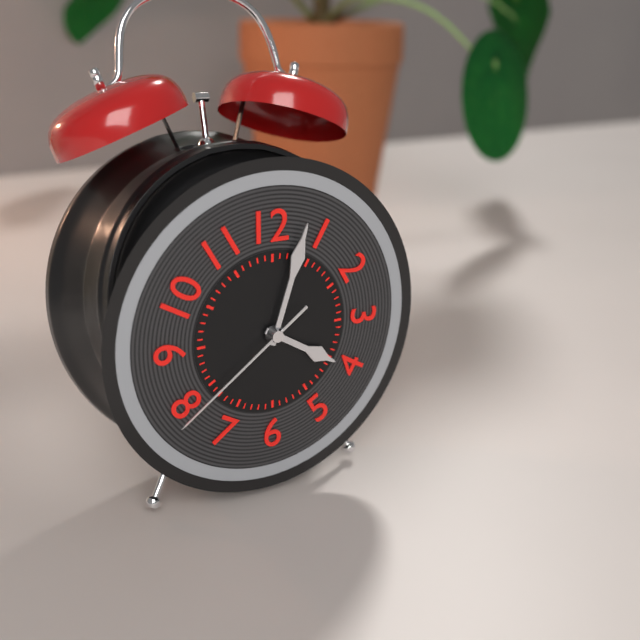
h=4 m=3 s=39
